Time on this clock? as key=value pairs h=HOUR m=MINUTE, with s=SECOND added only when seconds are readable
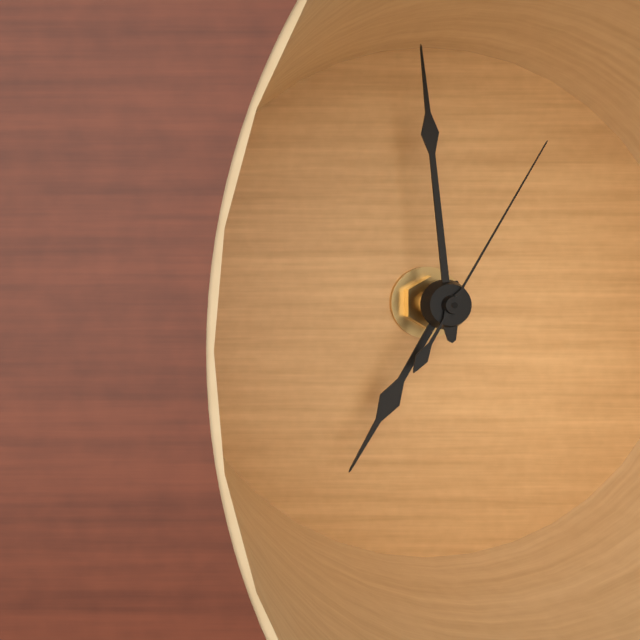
h=6 m=59 s=5
